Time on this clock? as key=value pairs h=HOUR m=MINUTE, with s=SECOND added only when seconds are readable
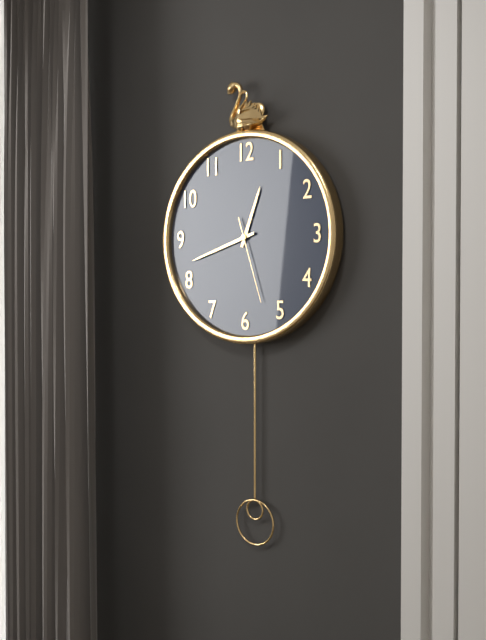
h=12 m=42 s=27
